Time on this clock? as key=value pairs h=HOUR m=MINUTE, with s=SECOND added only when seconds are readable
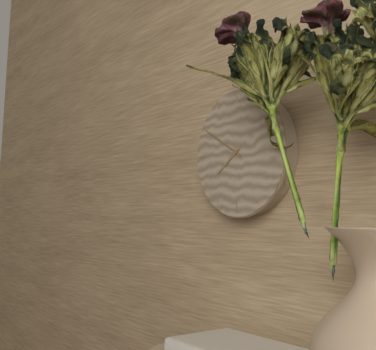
h=7 m=50
